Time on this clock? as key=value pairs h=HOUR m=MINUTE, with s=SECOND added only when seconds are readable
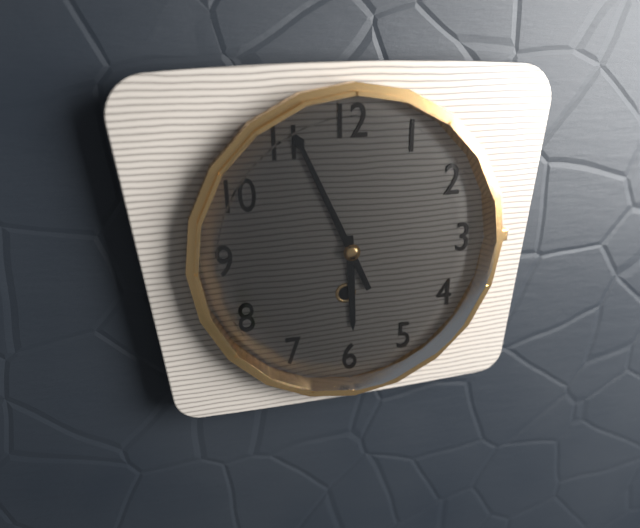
h=5 m=56
